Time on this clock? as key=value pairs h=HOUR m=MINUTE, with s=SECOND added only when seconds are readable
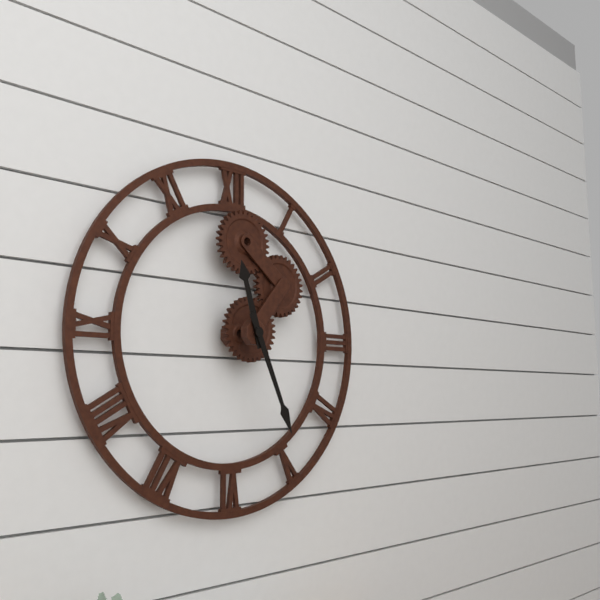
h=11 m=26
